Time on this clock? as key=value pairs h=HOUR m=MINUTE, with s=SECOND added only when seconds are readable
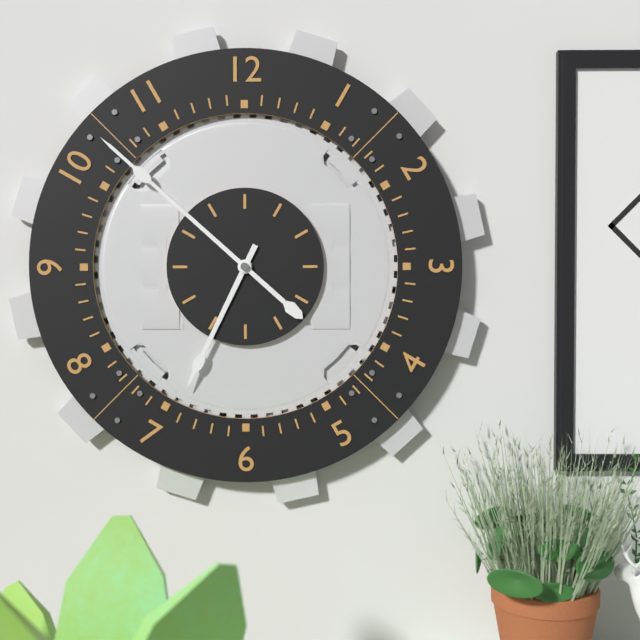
h=6 m=52
